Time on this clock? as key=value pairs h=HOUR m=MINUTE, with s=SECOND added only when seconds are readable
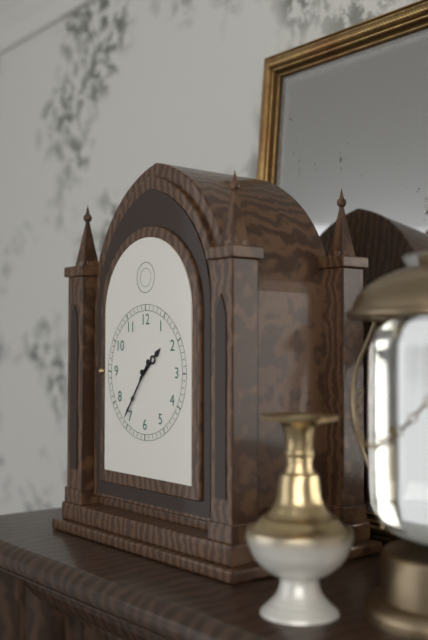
h=1 m=36
